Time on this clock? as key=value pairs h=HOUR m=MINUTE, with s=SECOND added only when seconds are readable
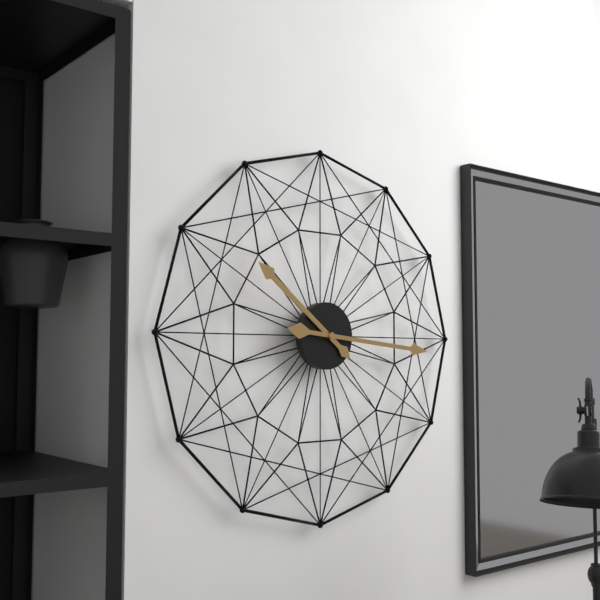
h=10 m=16
